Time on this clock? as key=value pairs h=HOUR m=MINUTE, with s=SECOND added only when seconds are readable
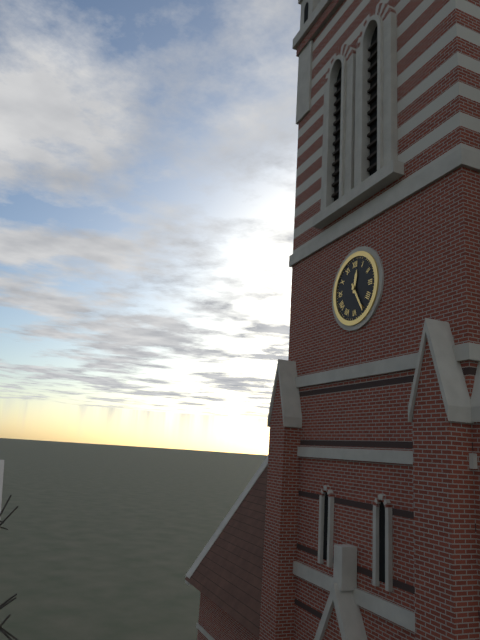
h=12 m=25
